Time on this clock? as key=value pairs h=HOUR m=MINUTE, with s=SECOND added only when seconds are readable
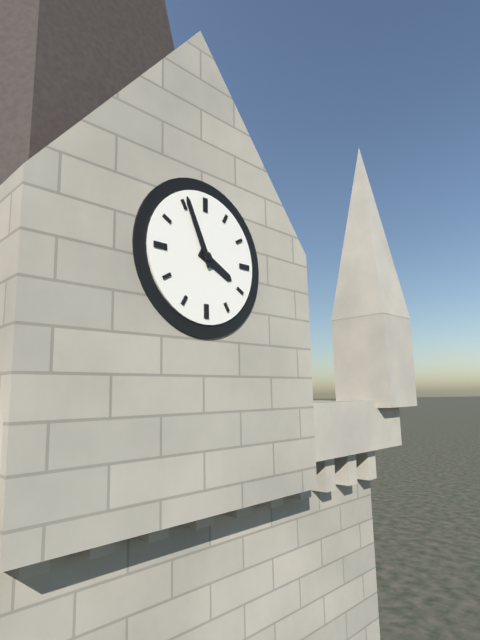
h=3 m=56
